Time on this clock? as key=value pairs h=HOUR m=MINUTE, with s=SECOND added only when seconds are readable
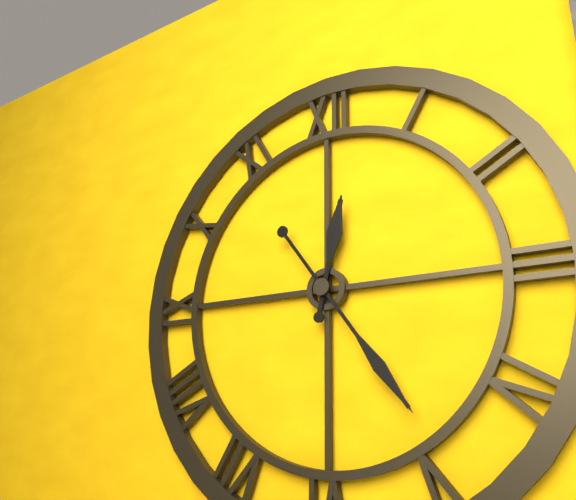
h=12 m=24
